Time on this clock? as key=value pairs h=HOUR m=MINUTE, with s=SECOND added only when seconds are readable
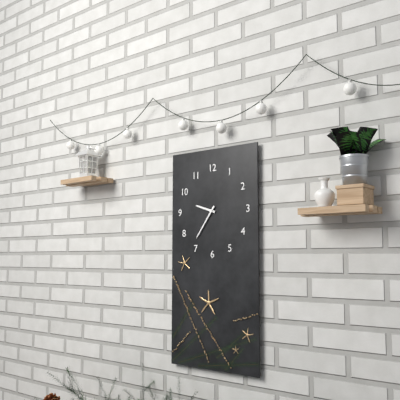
h=9 m=36
